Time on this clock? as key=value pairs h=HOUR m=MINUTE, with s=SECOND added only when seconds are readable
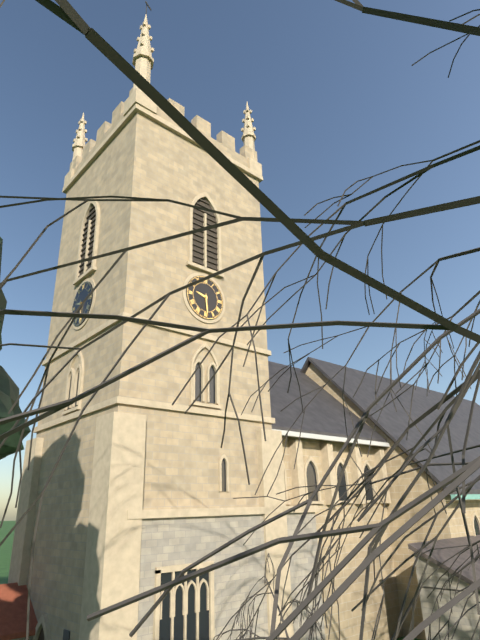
h=9 m=29
